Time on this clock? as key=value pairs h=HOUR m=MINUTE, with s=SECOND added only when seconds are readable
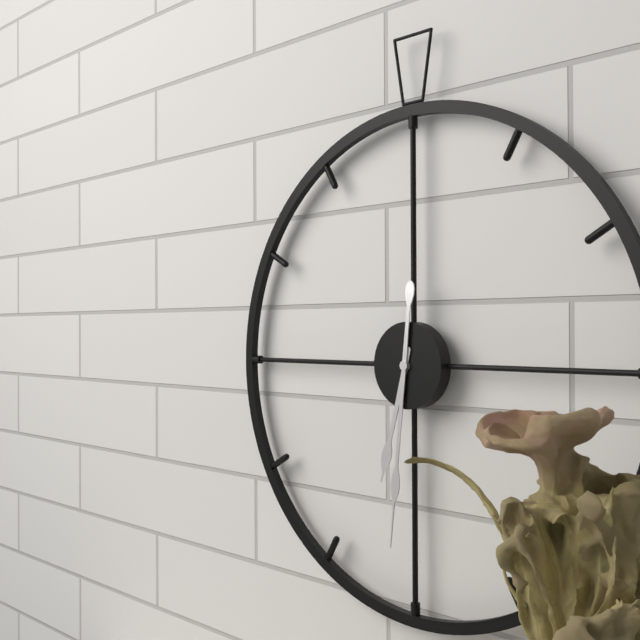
h=6 m=31
